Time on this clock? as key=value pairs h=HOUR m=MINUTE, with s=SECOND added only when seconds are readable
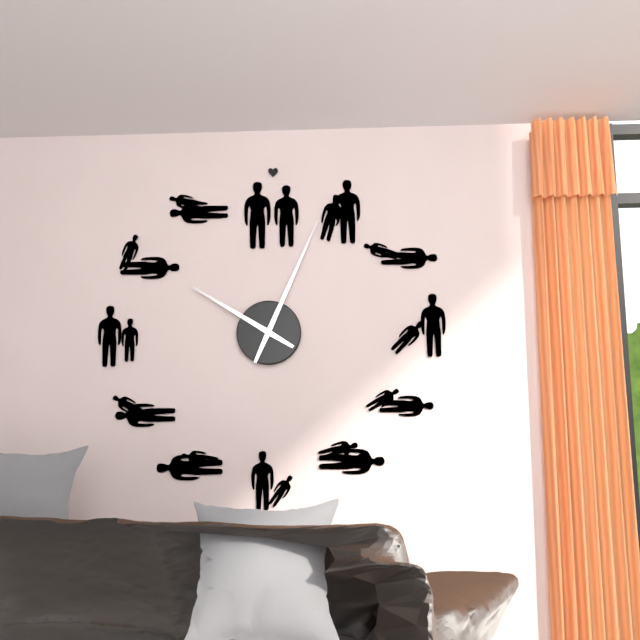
h=10 m=4
